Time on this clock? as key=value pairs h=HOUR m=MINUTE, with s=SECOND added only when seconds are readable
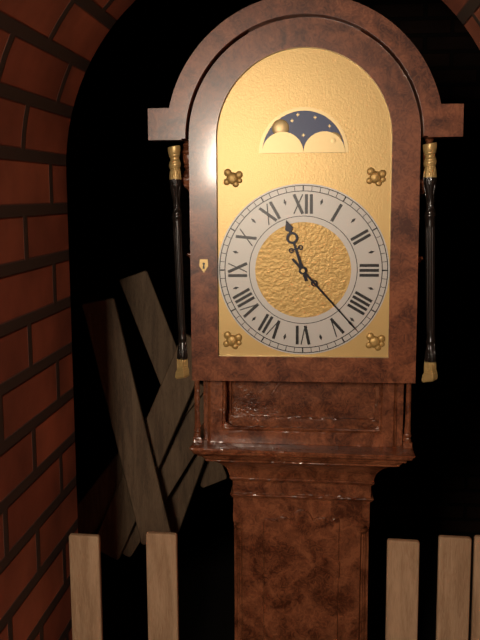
h=11 m=23
